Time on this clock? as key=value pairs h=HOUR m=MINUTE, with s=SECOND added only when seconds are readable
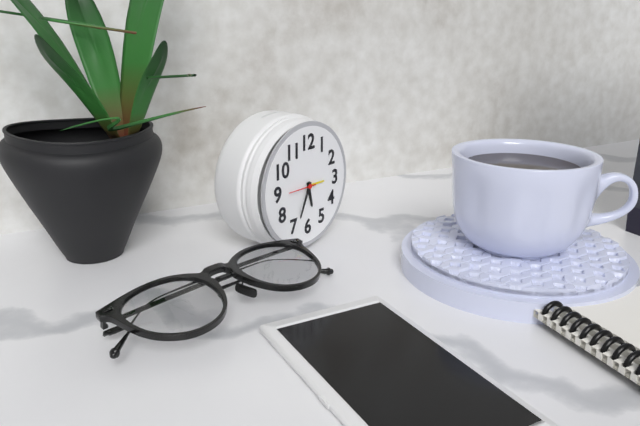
h=5 m=34
